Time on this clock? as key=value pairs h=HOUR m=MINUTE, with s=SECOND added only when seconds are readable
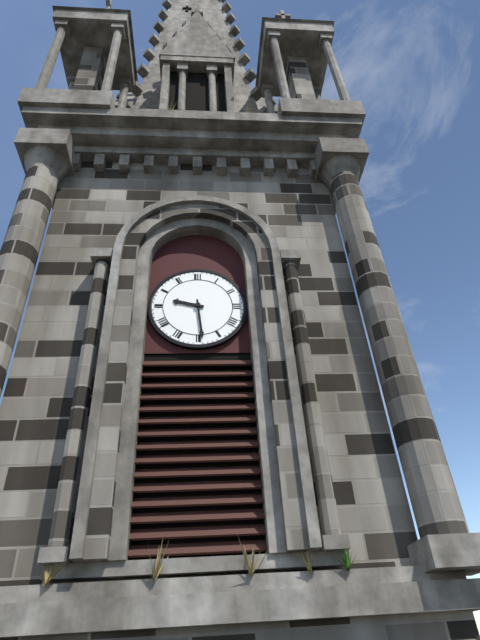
h=9 m=29
